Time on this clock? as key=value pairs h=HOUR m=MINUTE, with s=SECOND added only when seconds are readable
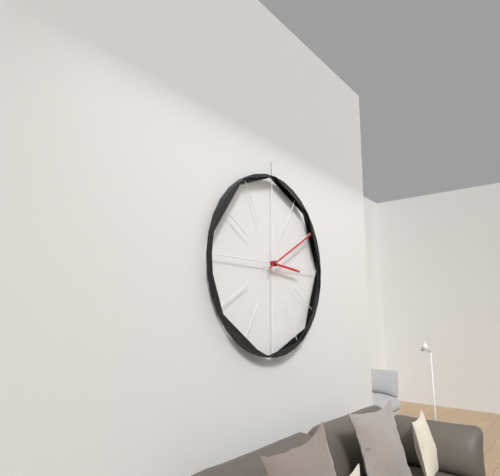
h=3 m=10
